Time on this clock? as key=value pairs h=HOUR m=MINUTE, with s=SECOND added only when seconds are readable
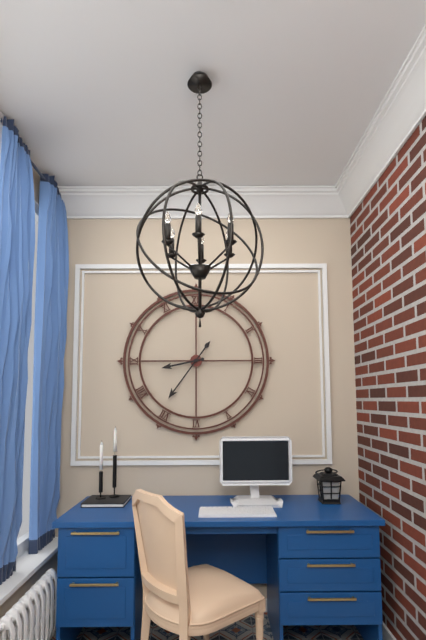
h=8 m=36
